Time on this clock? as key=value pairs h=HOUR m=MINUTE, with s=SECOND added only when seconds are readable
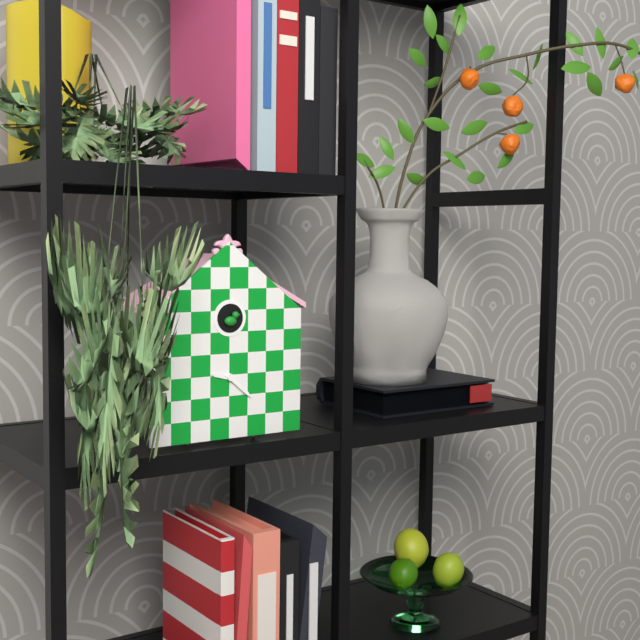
h=9 m=22
